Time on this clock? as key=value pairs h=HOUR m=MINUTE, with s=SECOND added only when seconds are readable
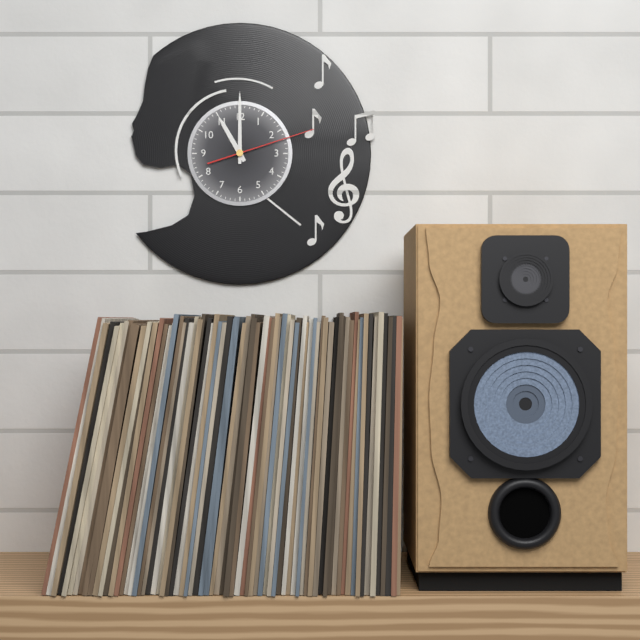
h=11 m=0 s=12
